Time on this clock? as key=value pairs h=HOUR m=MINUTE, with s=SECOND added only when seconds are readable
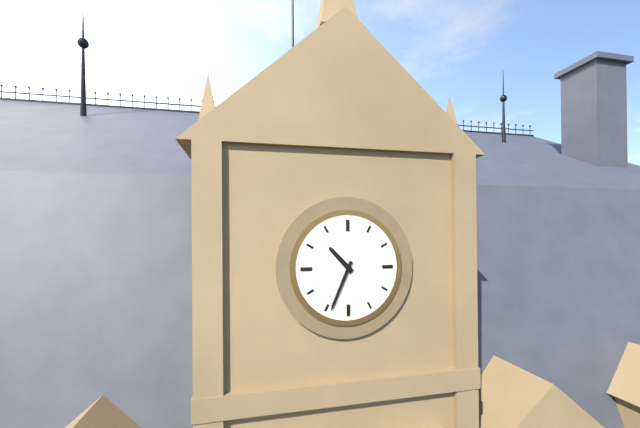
h=10 m=34
